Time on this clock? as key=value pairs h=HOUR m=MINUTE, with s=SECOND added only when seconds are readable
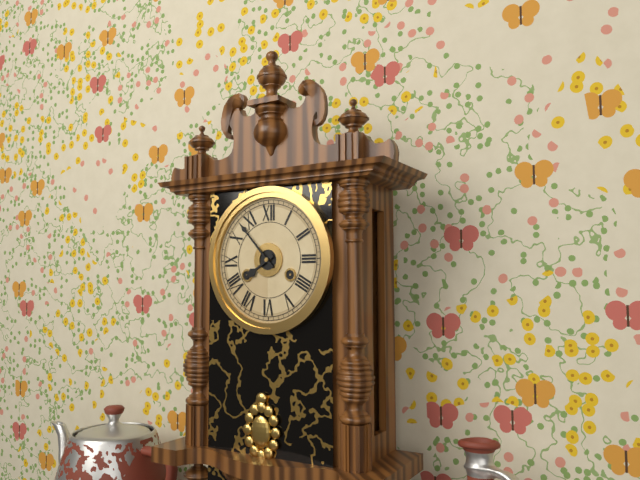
h=7 m=53
